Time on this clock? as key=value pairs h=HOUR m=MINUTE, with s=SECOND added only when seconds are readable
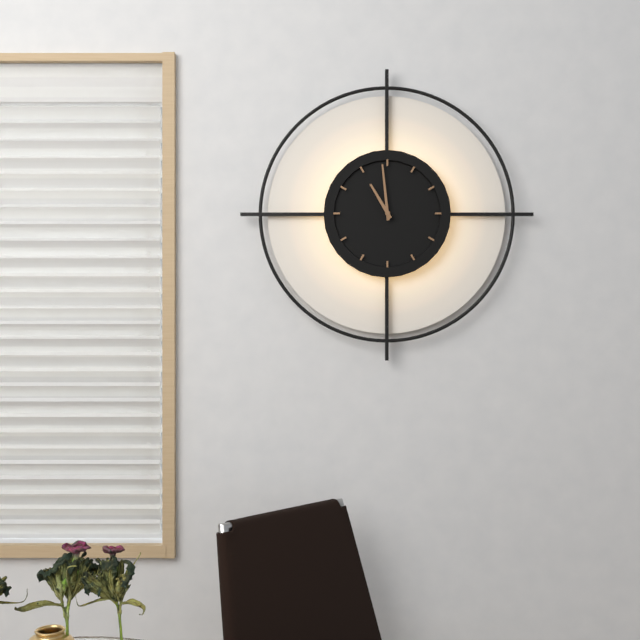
h=10 m=59
